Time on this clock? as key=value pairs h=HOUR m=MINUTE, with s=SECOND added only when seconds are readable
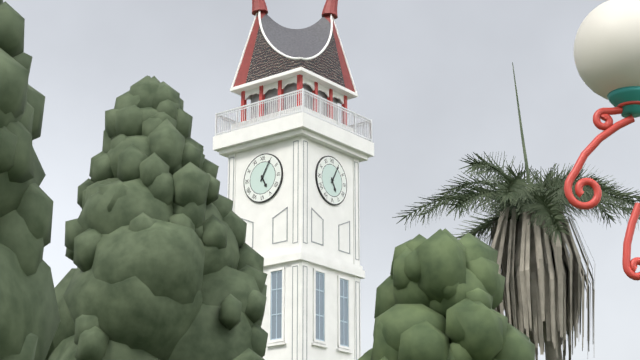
h=5 m=5
